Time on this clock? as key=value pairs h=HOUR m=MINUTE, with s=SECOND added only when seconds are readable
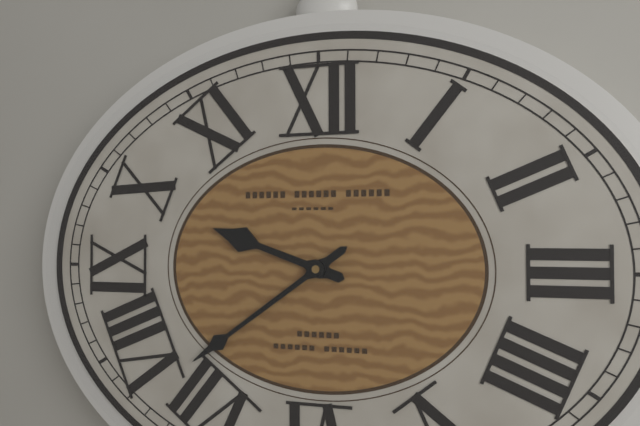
h=9 m=39
